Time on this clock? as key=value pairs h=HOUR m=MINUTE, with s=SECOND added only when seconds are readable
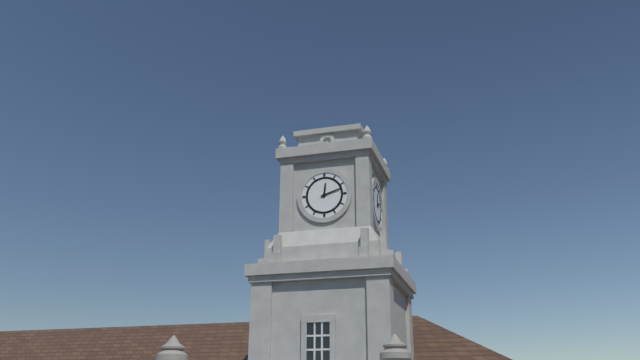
h=12 m=12
